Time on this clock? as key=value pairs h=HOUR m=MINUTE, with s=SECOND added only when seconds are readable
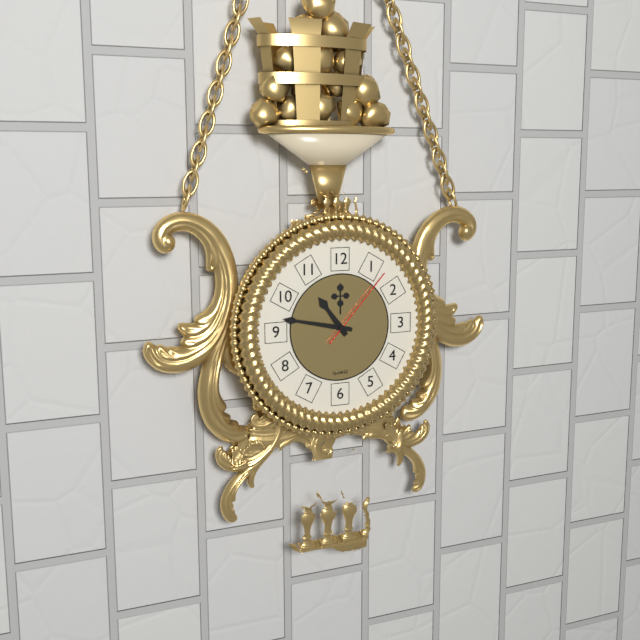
h=10 m=47 s=7
